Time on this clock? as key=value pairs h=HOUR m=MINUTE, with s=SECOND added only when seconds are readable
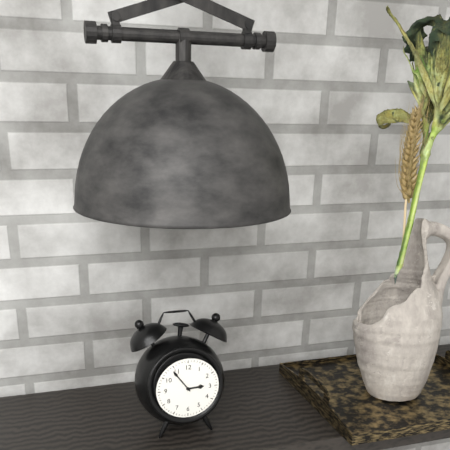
h=2 m=54
